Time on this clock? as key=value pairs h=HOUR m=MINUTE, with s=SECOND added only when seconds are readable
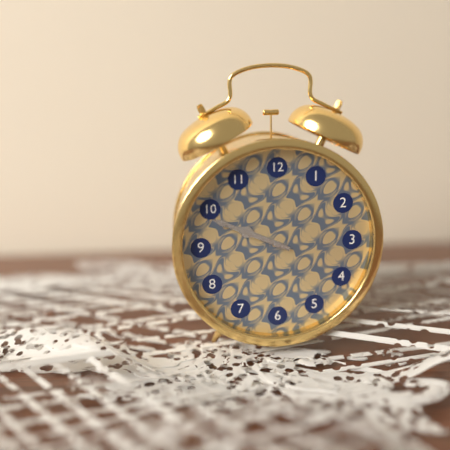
h=9 m=49
